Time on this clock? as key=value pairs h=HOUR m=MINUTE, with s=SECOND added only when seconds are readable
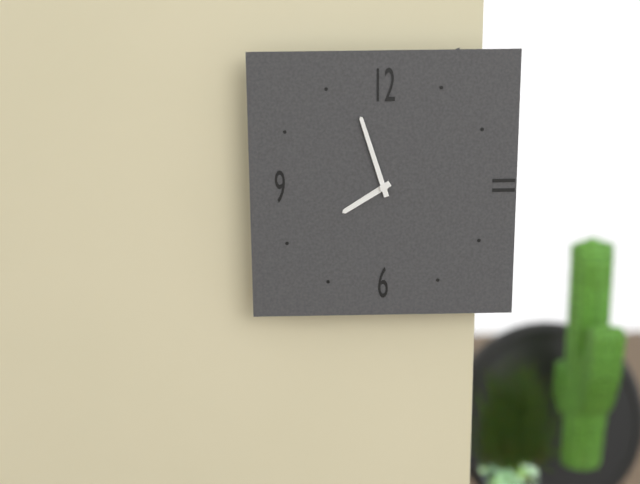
h=7 m=57
